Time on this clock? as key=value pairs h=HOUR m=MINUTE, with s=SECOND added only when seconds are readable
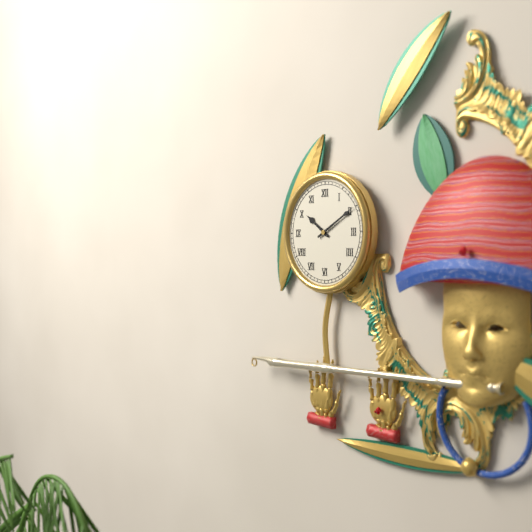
h=10 m=10
